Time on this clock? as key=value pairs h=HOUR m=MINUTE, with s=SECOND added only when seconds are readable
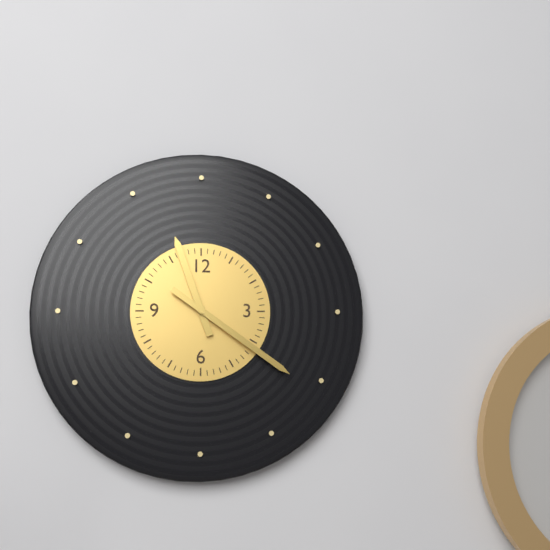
h=11 m=21
